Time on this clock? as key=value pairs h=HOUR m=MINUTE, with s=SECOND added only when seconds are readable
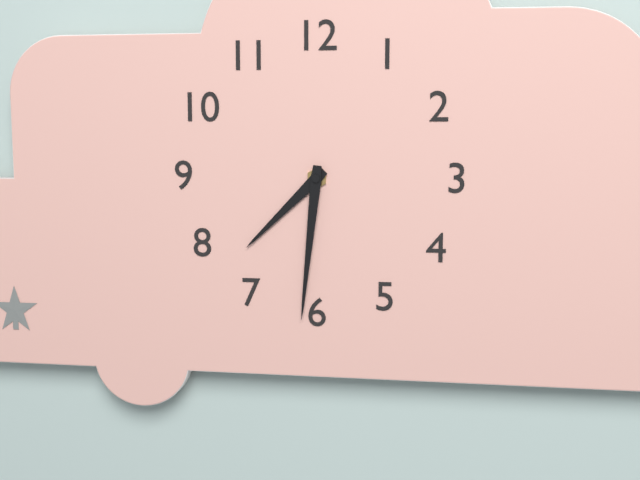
h=7 m=31
